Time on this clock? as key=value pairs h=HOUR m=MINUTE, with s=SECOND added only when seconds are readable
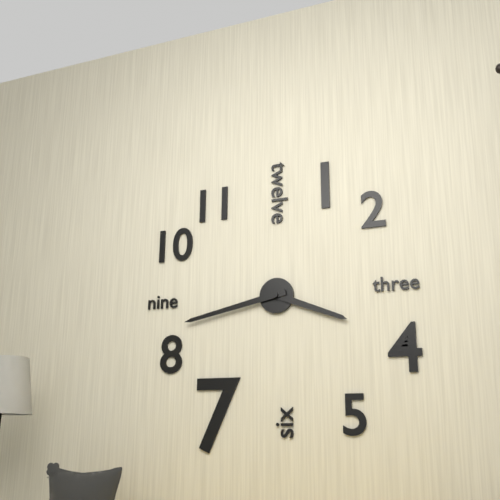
h=3 m=43
